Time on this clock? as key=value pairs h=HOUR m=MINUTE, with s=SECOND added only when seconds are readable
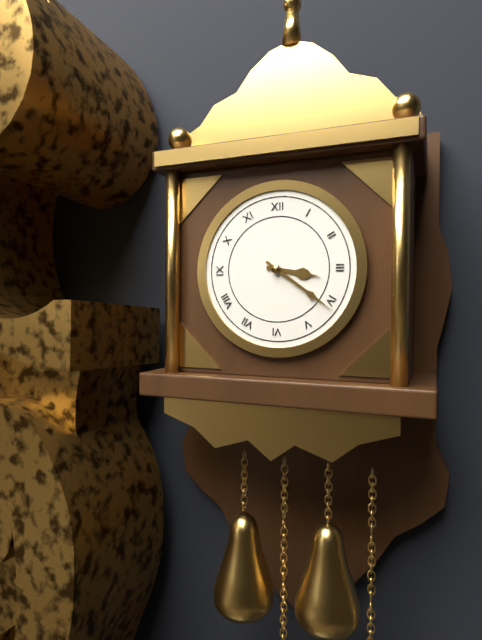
h=3 m=21
